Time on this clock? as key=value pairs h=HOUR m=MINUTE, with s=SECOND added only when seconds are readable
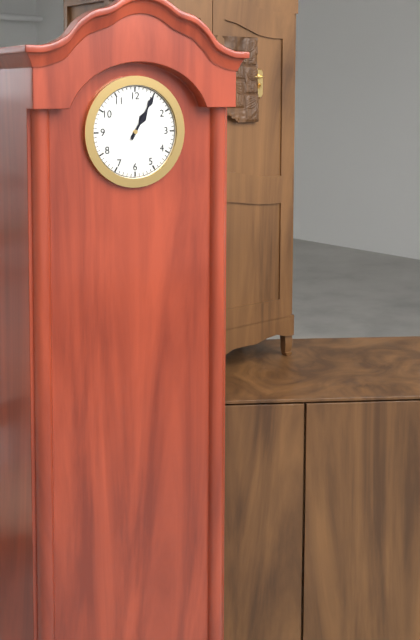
h=1 m=5
